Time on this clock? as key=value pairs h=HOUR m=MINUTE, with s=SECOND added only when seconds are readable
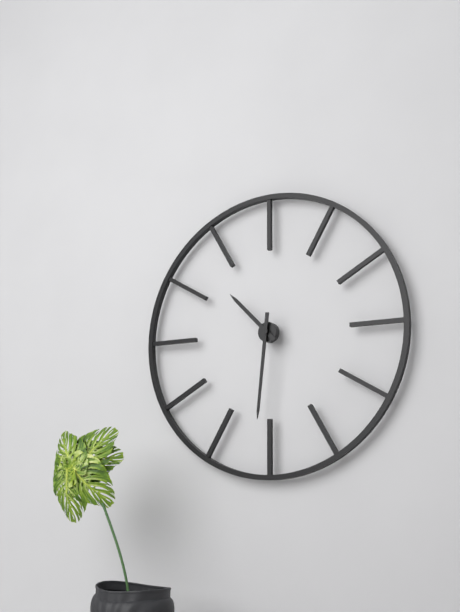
h=10 m=31
